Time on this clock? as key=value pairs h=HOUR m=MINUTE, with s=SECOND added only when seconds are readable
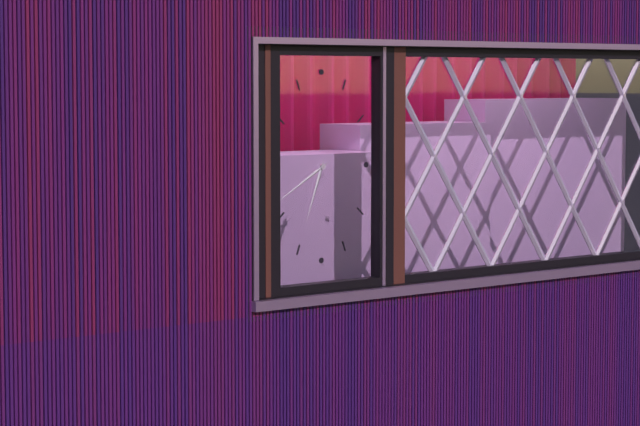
h=6 m=40
